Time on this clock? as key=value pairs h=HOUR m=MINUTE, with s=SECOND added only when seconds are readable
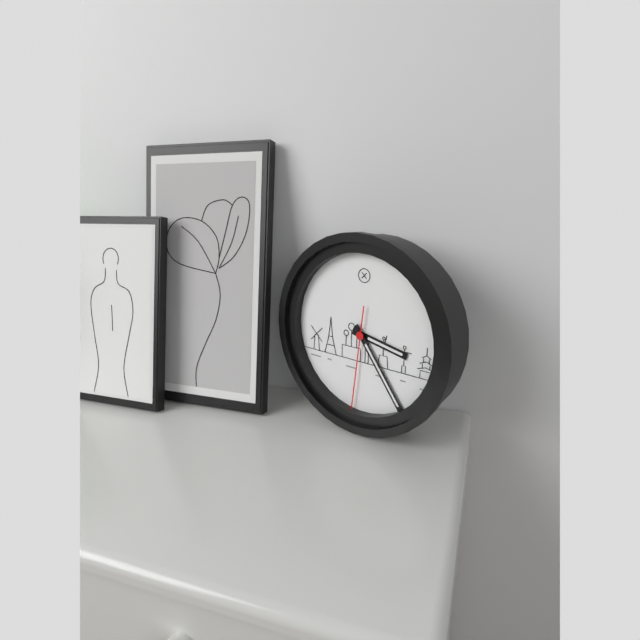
h=3 m=24 s=31
